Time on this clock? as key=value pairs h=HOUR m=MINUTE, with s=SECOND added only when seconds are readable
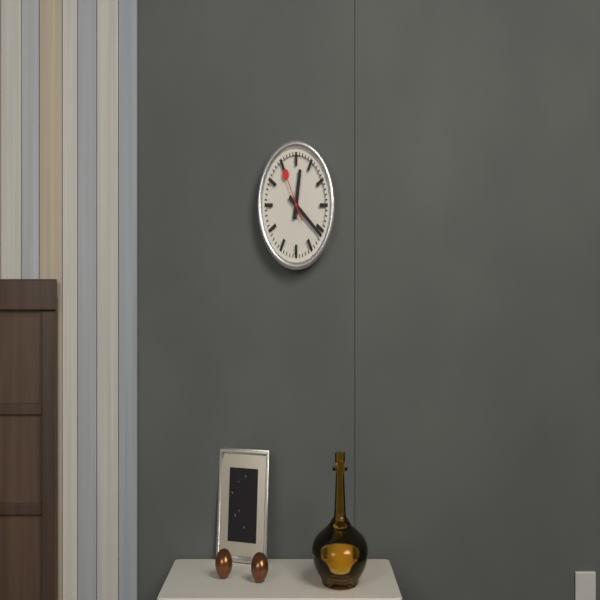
h=12 m=21 s=55
